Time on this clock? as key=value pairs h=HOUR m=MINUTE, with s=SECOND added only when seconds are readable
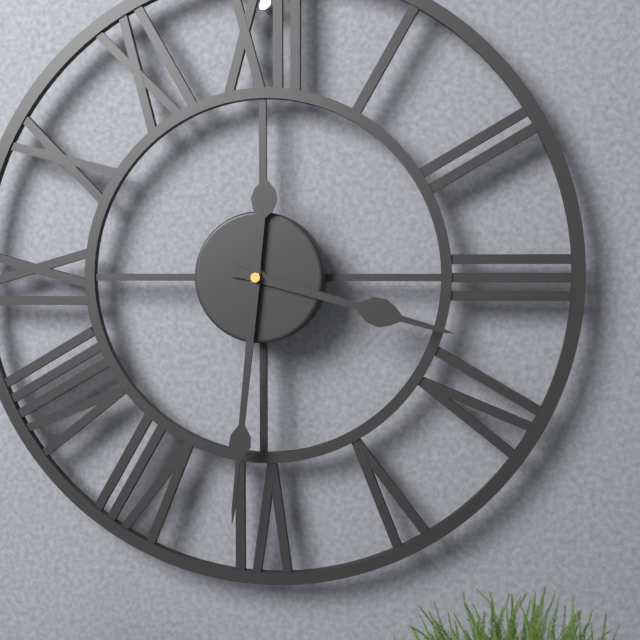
h=3 m=31
